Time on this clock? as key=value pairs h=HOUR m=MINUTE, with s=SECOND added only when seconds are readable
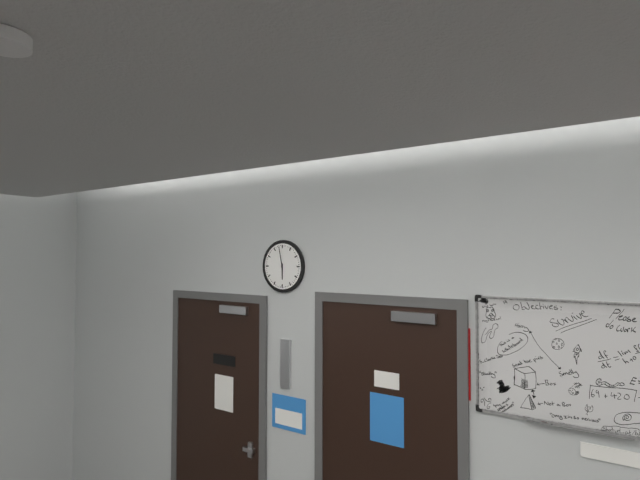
h=5 m=58
